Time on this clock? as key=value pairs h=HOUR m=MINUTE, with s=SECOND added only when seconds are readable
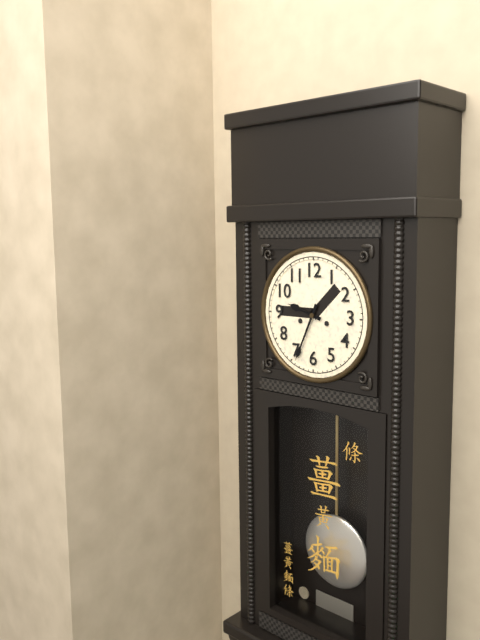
h=9 m=34
